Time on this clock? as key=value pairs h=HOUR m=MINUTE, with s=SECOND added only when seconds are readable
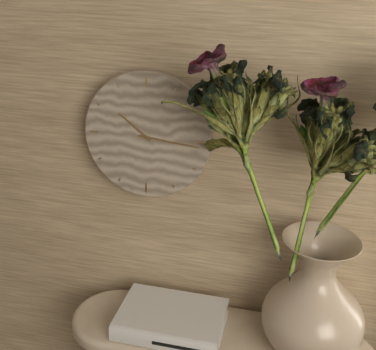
h=10 m=16
